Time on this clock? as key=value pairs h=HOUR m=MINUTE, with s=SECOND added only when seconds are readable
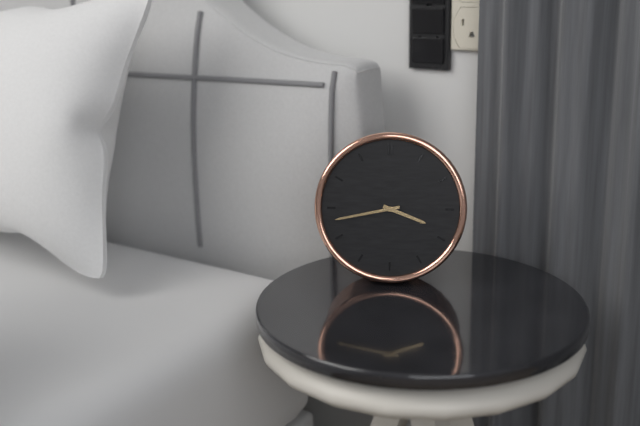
h=3 m=43
